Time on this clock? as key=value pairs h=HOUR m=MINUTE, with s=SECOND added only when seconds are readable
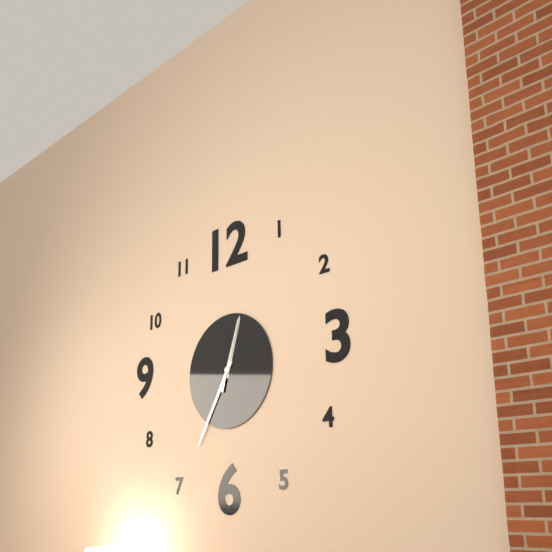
h=12 m=35 s=3
